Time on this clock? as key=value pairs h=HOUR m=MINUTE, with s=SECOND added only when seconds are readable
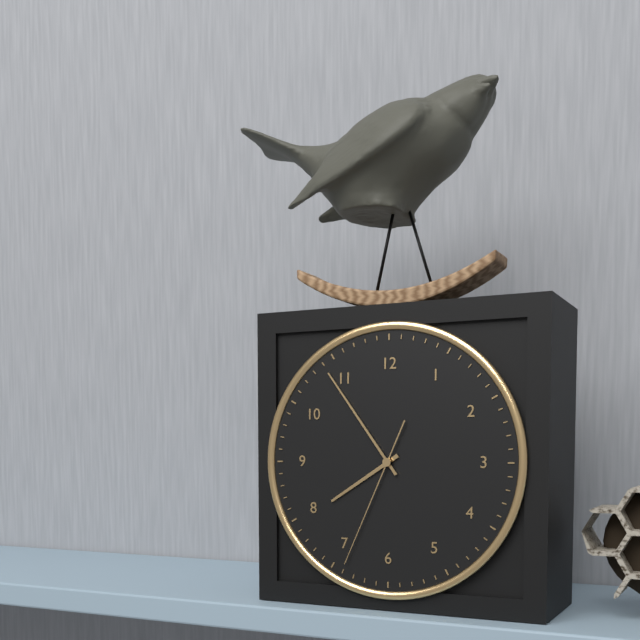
h=7 m=54 s=34
